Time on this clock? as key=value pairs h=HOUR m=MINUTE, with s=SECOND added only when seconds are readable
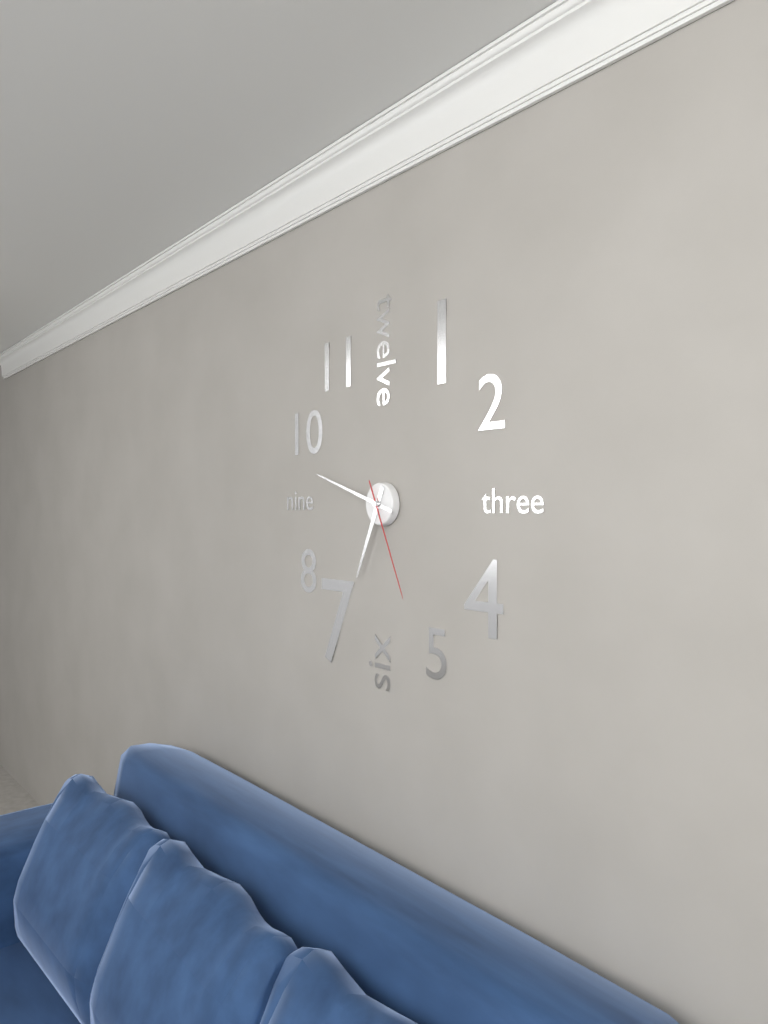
h=6 m=48 s=26
